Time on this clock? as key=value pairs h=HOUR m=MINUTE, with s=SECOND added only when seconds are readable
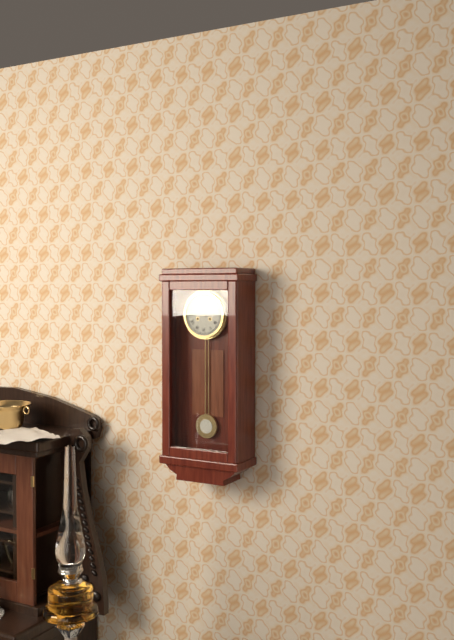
h=9 m=50
